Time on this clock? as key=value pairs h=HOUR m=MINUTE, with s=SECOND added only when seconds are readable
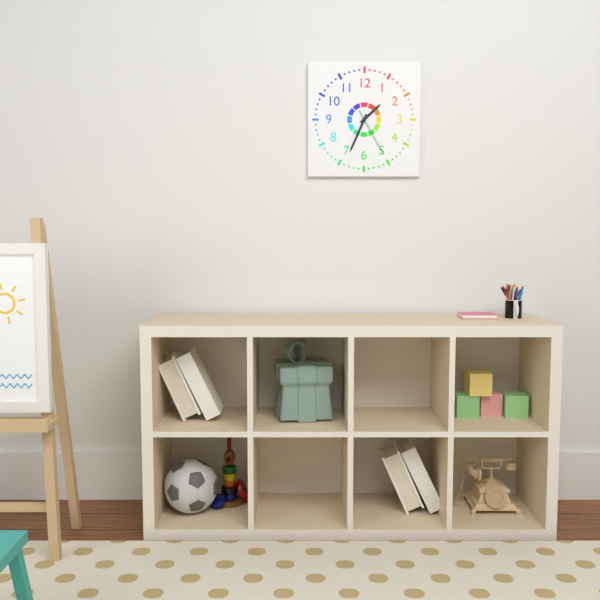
h=1 m=34
